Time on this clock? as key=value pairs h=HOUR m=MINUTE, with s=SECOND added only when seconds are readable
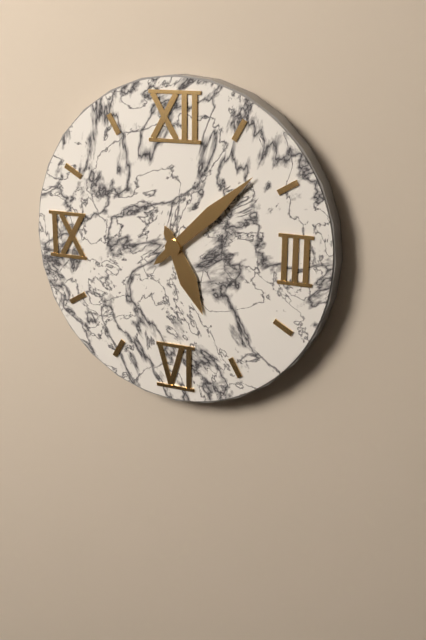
h=5 m=8
